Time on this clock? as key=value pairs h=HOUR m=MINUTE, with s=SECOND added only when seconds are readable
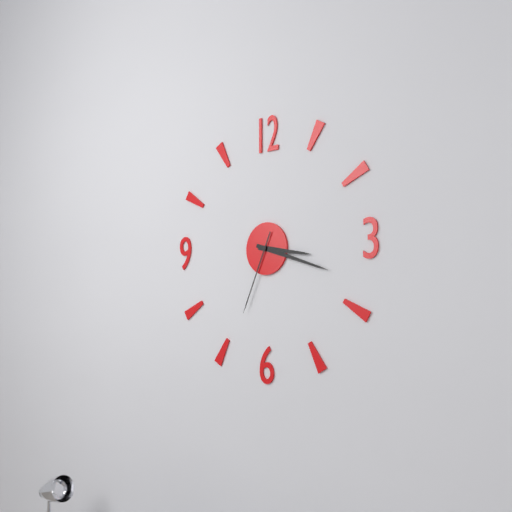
h=3 m=18 s=34
